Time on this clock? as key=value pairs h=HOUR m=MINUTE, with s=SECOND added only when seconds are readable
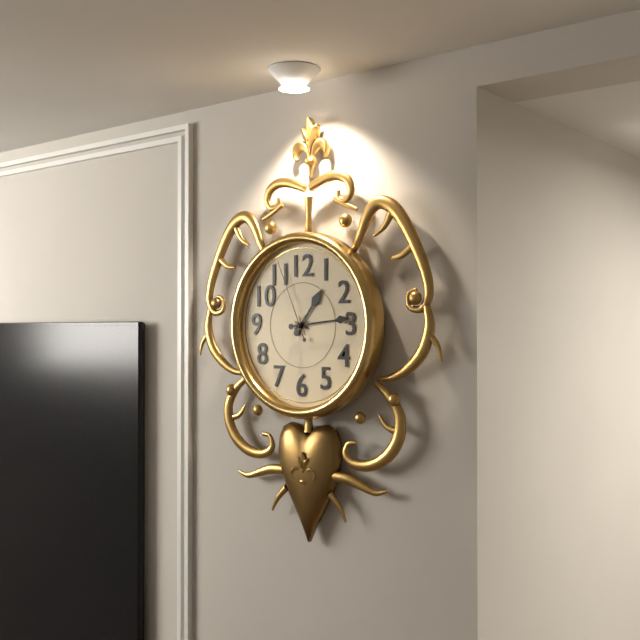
h=1 m=14 s=56
